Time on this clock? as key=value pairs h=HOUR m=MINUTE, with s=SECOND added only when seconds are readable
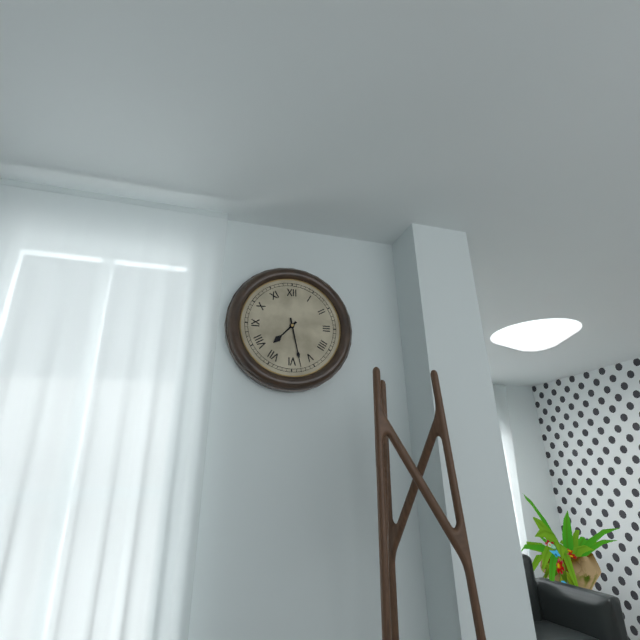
h=7 m=28
